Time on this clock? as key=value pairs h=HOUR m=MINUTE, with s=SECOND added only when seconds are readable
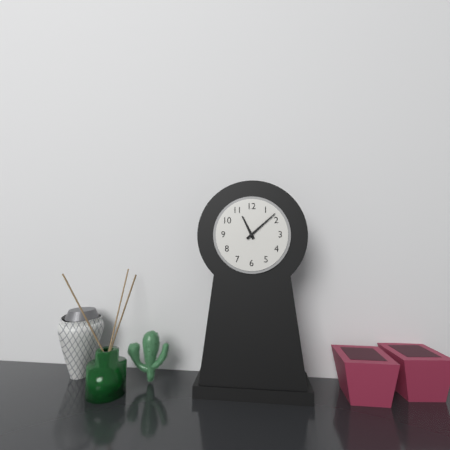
h=11 m=8
